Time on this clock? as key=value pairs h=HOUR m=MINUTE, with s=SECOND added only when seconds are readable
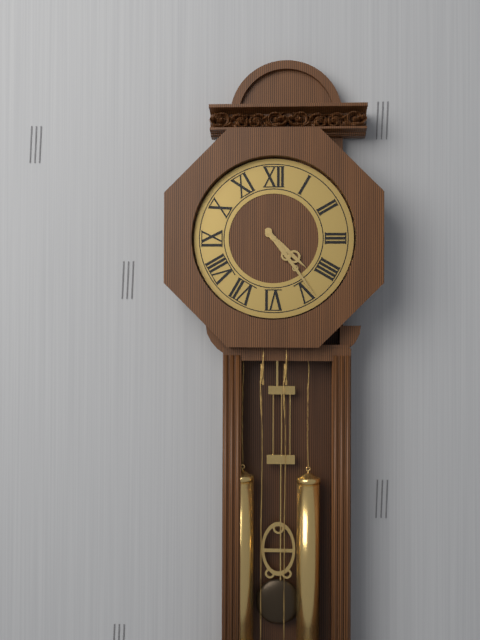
h=4 m=24
